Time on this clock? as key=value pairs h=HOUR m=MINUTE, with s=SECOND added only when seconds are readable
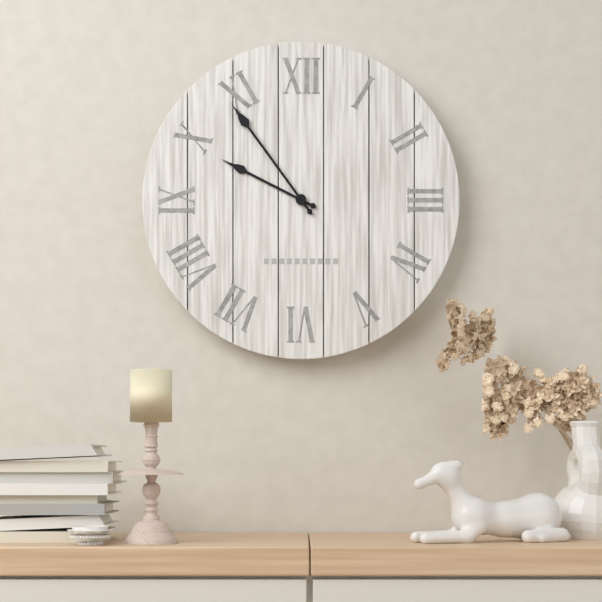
h=9 m=54
